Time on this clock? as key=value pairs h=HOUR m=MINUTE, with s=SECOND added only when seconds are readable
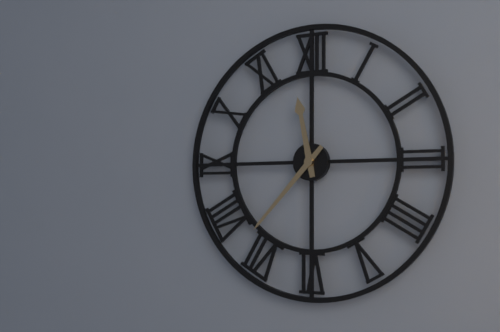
h=11 m=37
